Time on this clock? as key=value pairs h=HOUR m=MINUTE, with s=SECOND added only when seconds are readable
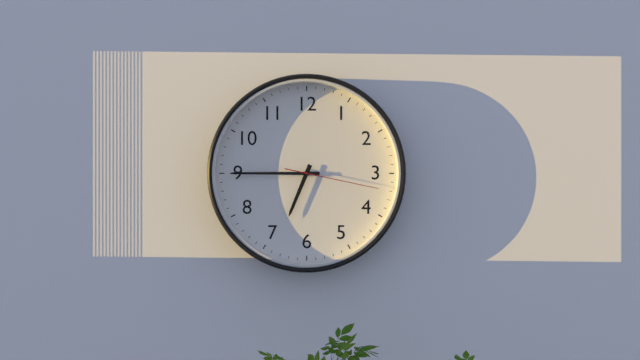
h=6 m=45 s=17
